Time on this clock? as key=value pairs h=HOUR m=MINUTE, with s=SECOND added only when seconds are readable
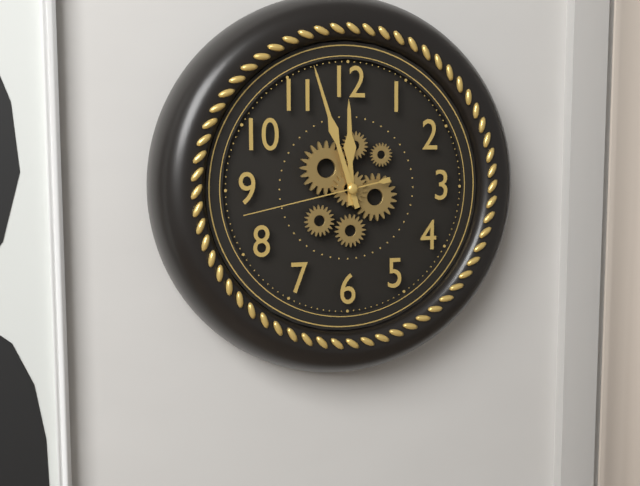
h=11 m=57 s=43
